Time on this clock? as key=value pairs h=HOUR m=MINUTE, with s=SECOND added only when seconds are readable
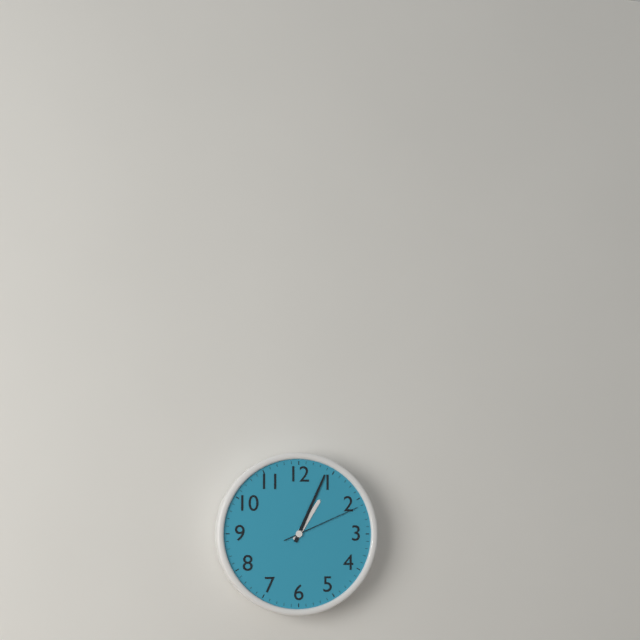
h=1 m=4 s=11
